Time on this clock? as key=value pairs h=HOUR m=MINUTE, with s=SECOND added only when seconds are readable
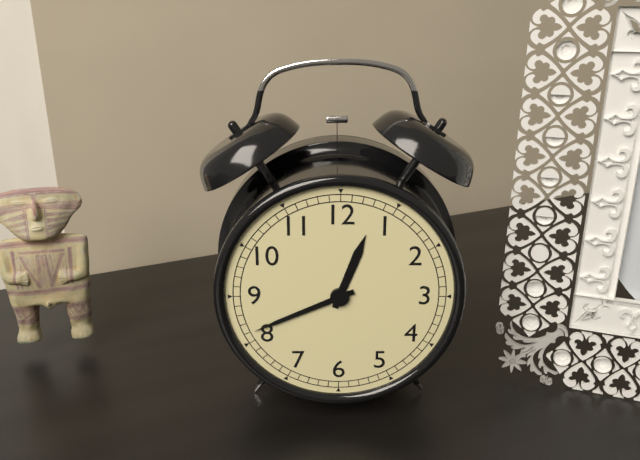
h=12 m=41
